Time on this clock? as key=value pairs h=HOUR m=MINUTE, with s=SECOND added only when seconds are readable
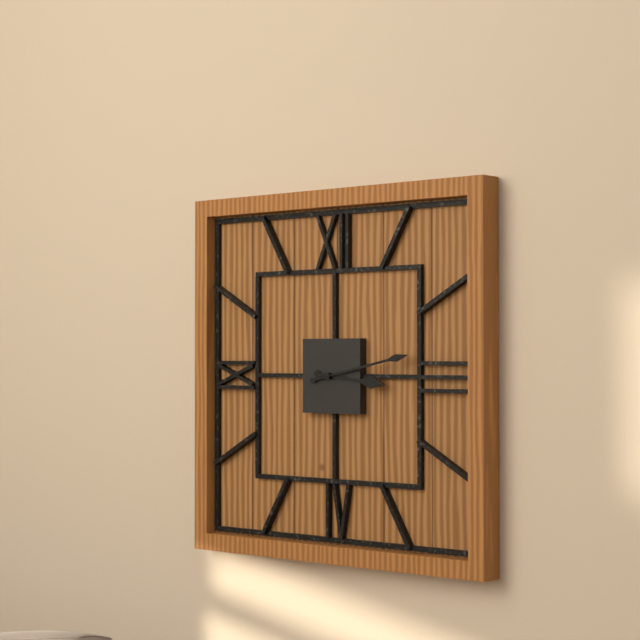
h=3 m=13
